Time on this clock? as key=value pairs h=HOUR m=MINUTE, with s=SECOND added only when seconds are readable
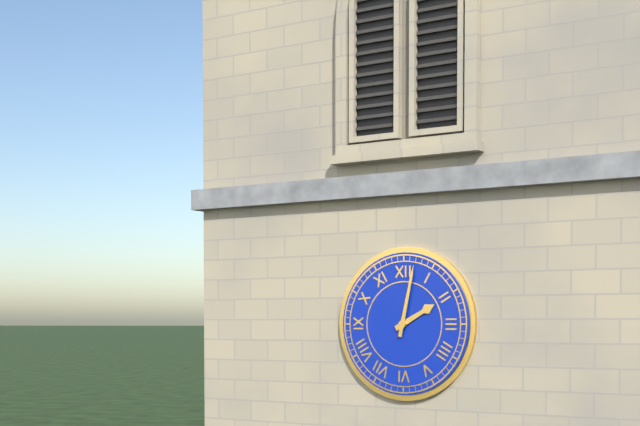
h=2 m=2
